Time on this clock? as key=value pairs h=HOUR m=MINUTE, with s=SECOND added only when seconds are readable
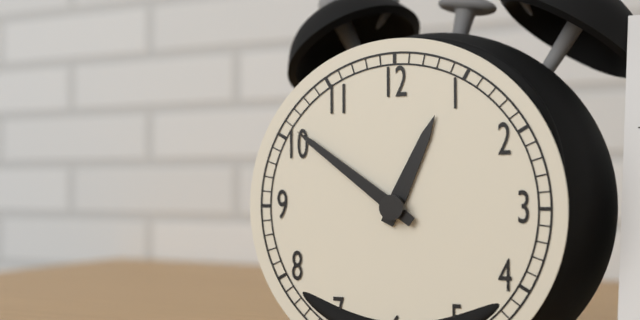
h=12 m=51
